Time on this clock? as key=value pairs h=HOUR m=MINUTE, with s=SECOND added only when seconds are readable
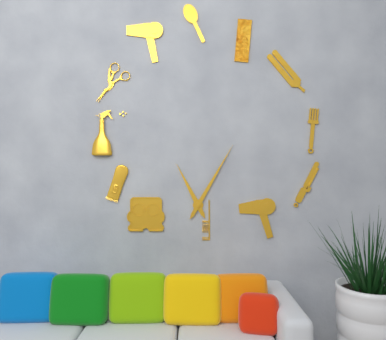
h=11 m=5
